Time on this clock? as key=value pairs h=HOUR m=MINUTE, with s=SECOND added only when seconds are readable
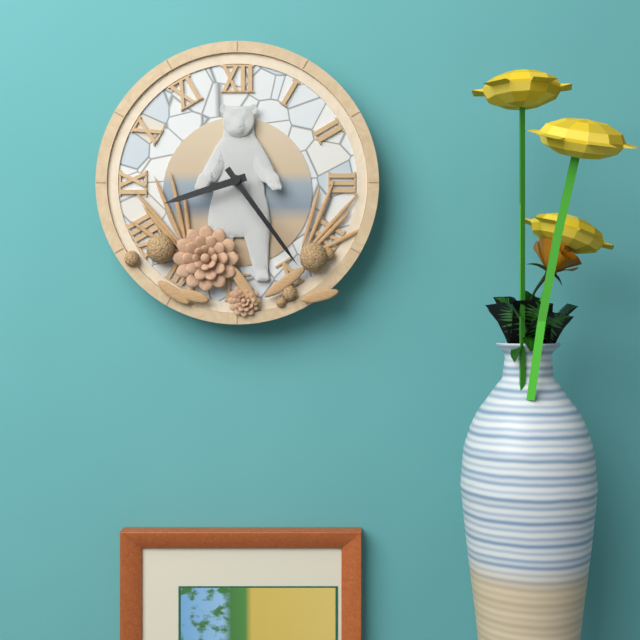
h=8 m=24
